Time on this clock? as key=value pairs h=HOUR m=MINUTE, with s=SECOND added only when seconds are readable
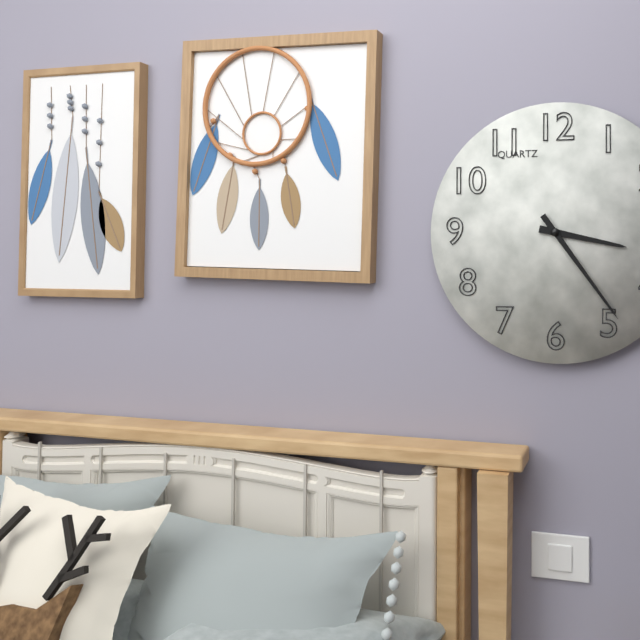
h=3 m=24
